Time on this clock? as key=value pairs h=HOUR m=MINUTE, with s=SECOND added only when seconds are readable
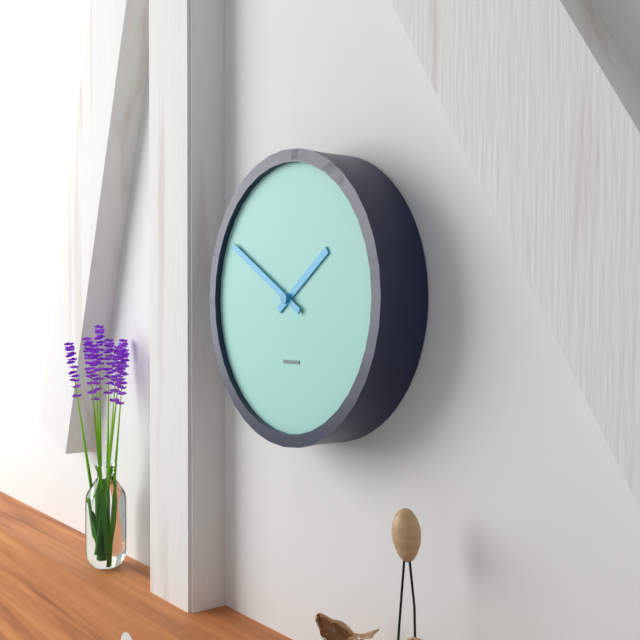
h=1 m=50
